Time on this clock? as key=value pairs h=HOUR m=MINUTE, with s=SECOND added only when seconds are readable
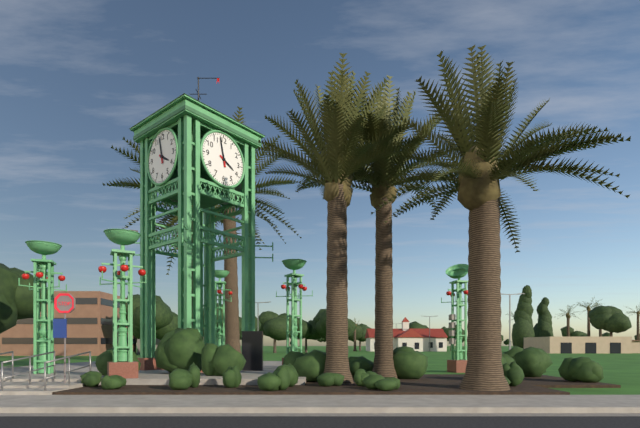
h=3 m=58
